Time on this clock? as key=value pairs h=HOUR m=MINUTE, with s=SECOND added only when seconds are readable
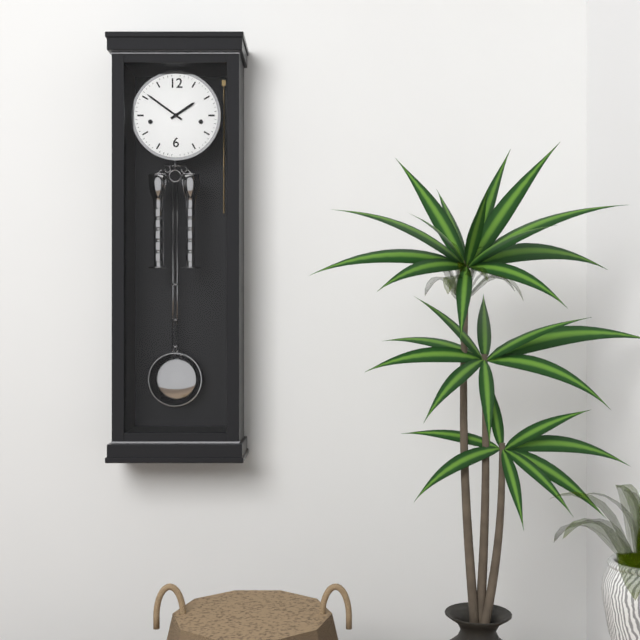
h=1 m=51
